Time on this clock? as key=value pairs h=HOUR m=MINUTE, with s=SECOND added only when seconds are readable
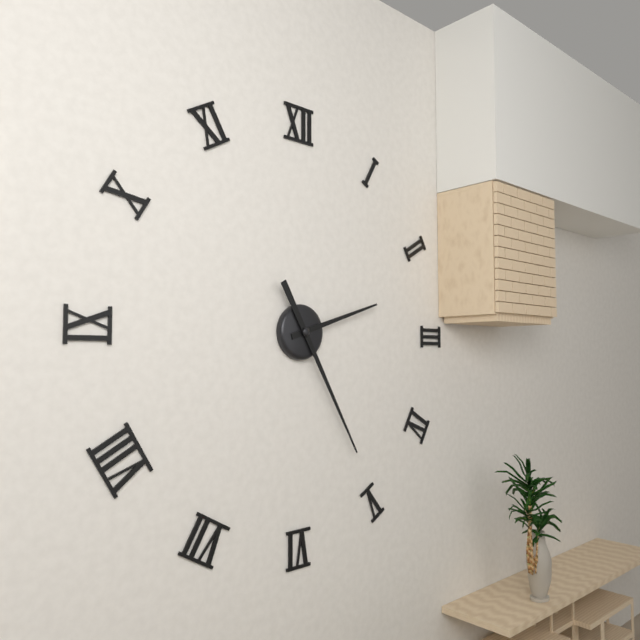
h=2 m=25
